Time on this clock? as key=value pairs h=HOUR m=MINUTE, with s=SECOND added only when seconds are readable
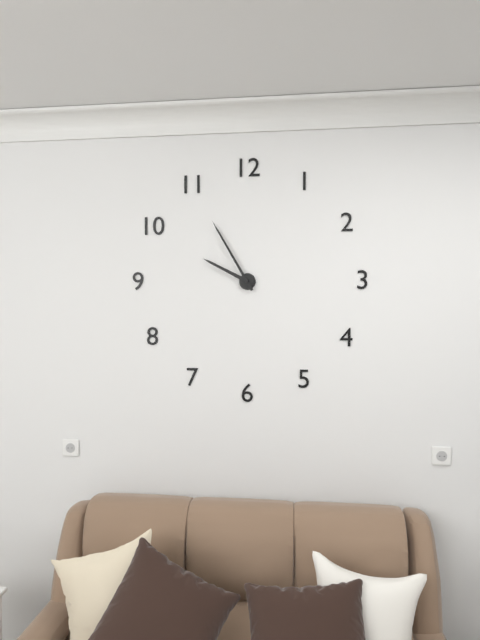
h=9 m=55
